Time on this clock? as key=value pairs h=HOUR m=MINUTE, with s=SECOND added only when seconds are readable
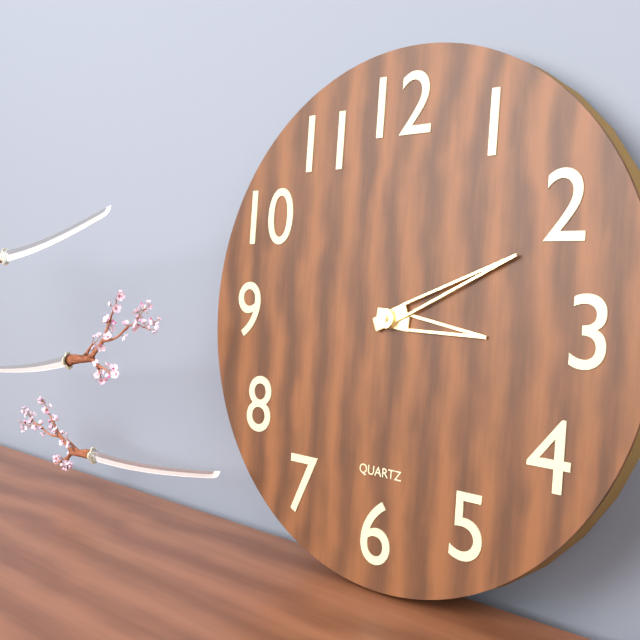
h=3 m=11
